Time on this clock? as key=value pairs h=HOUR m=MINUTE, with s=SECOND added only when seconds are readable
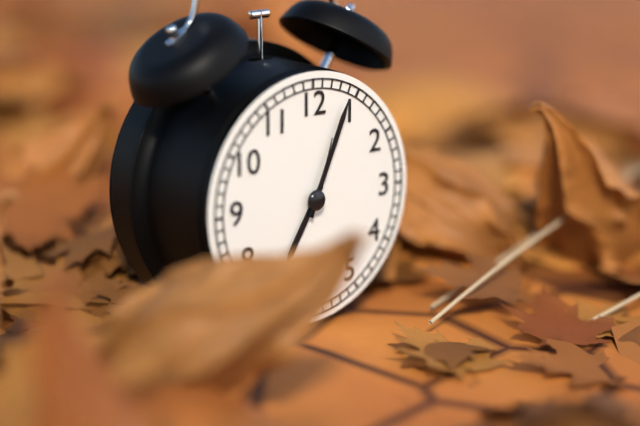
h=7 m=4 s=3
